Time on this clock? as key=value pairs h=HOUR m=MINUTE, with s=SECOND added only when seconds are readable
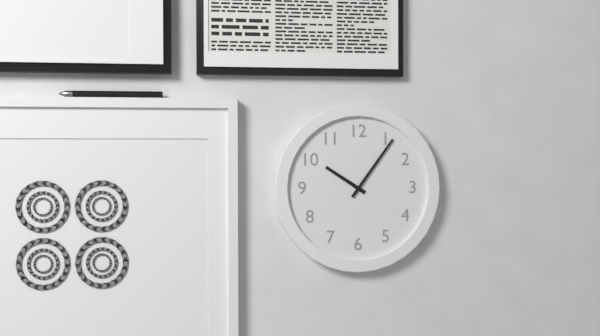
h=10 m=6
